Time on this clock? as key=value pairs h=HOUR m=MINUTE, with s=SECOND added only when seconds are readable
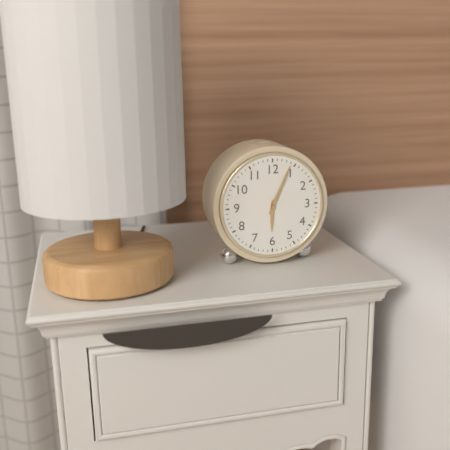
h=6 m=4
